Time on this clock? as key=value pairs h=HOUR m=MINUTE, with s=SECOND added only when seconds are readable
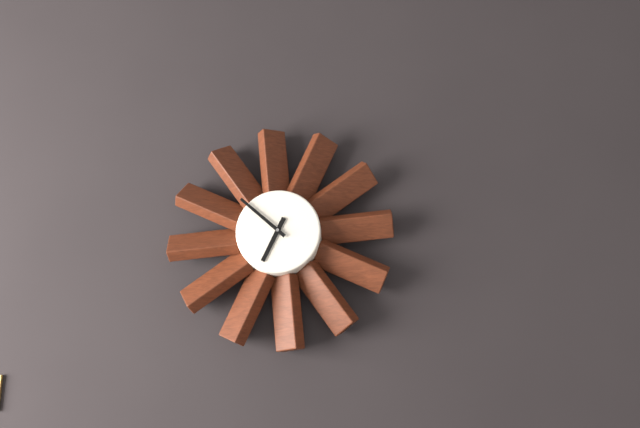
h=6 m=52
